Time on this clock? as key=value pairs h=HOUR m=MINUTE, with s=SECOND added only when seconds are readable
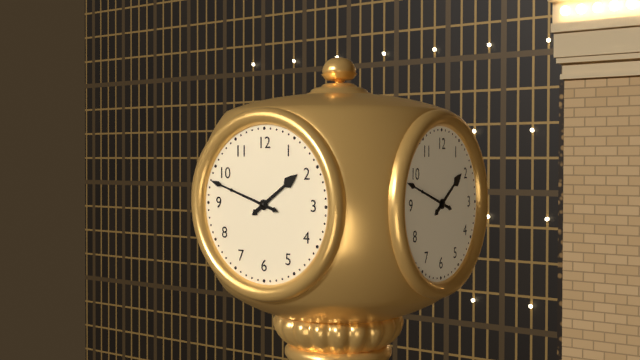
h=1 m=48
